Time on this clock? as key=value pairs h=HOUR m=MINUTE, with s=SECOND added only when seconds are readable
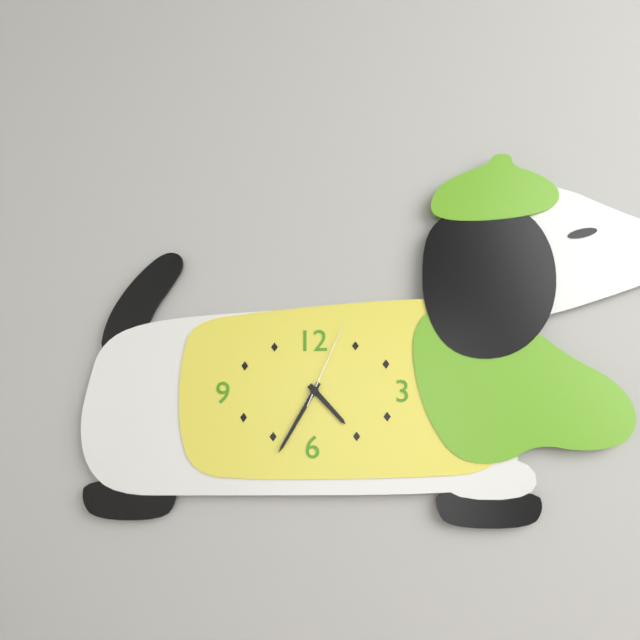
h=4 m=35 s=4
